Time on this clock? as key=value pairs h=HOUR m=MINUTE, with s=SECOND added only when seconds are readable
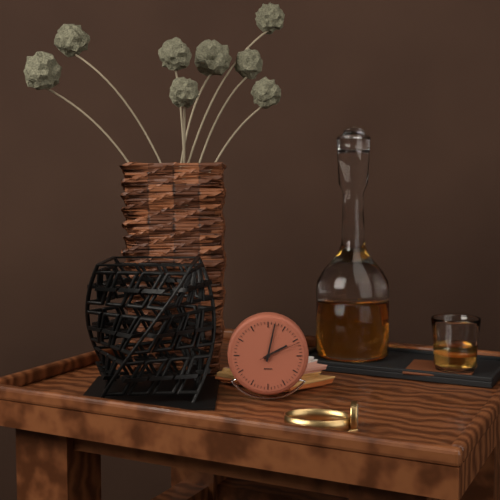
h=2 m=2
